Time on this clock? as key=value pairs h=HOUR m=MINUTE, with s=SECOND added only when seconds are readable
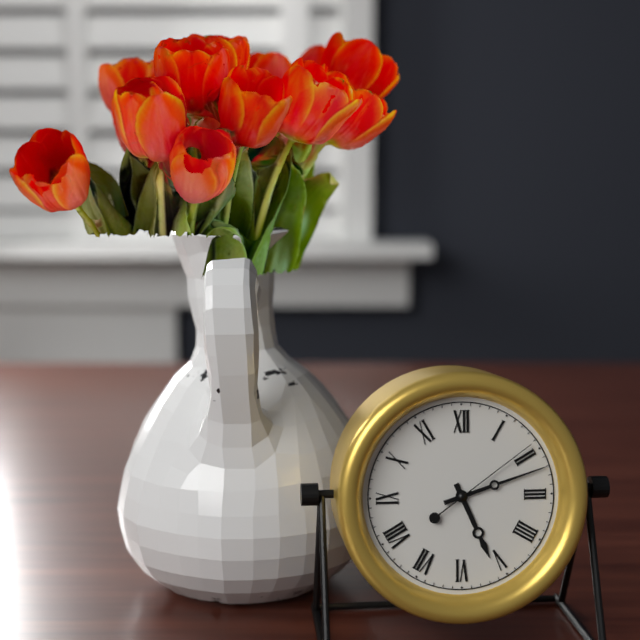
h=5 m=12 s=9
